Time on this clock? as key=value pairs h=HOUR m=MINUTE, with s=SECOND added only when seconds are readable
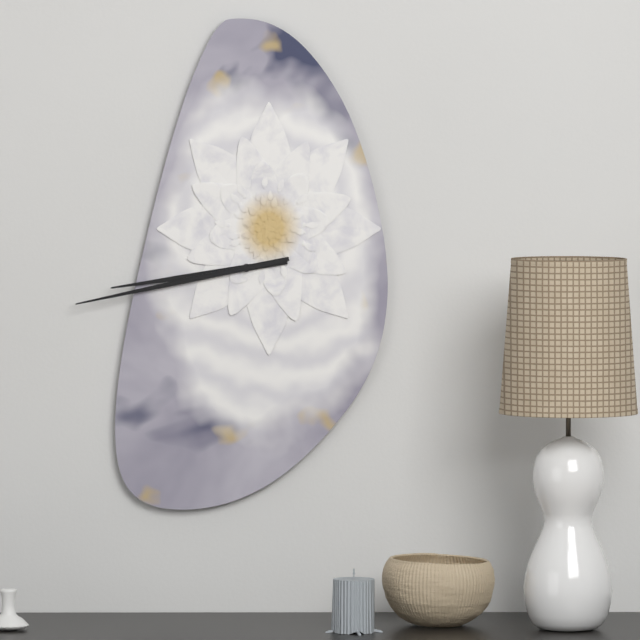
h=8 m=43
